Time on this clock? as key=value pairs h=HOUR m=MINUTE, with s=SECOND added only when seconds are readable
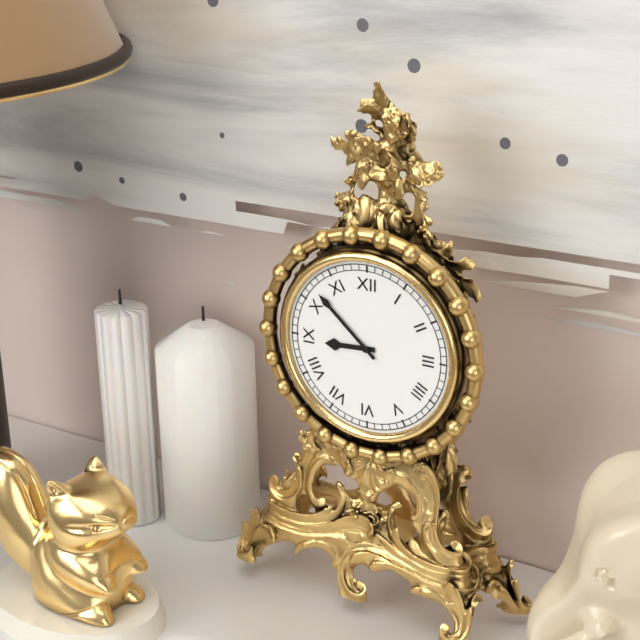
h=8 m=52
